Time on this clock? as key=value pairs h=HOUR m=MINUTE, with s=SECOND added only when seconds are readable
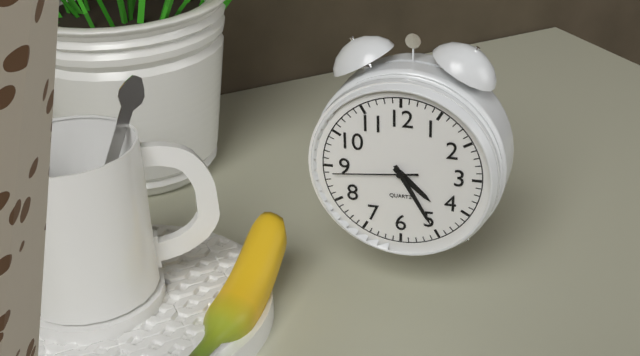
h=4 m=25 s=44
